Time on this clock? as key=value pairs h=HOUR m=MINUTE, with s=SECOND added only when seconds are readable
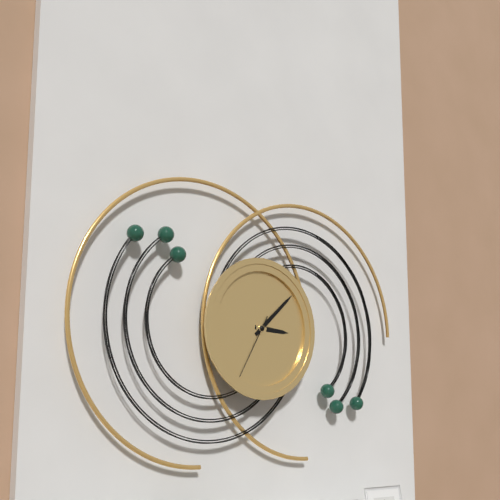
h=3 m=8 s=35
